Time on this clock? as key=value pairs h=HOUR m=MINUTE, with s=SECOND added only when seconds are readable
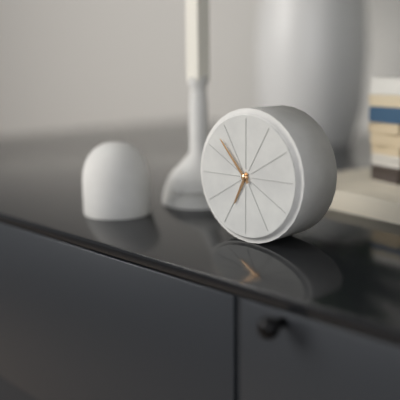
h=6 m=53
